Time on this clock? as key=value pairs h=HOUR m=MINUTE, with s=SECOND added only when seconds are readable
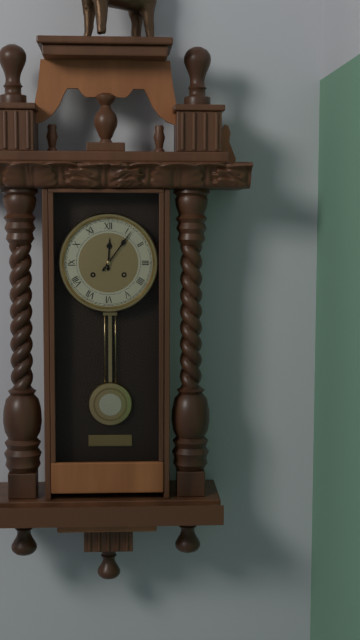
h=12 m=6
